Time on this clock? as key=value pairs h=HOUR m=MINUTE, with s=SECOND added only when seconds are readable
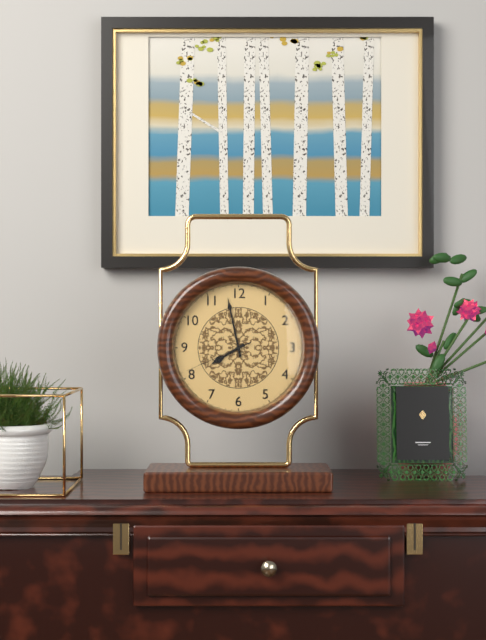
h=7 m=58 s=41
